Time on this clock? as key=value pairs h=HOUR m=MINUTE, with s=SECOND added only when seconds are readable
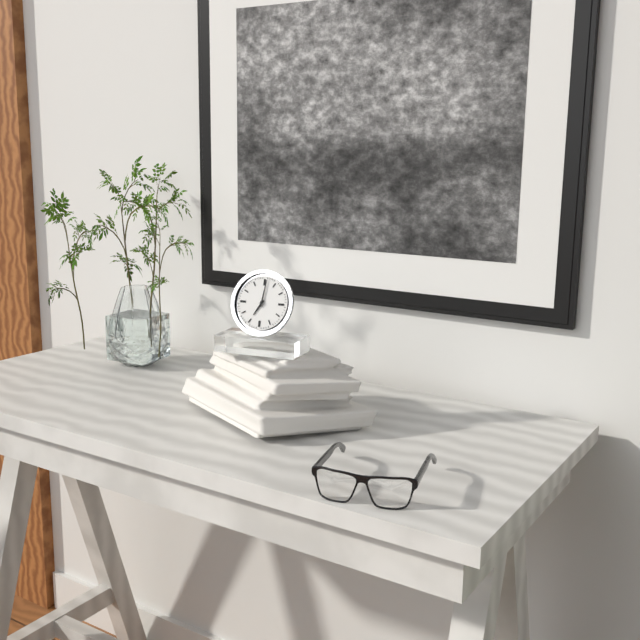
h=7 m=1
